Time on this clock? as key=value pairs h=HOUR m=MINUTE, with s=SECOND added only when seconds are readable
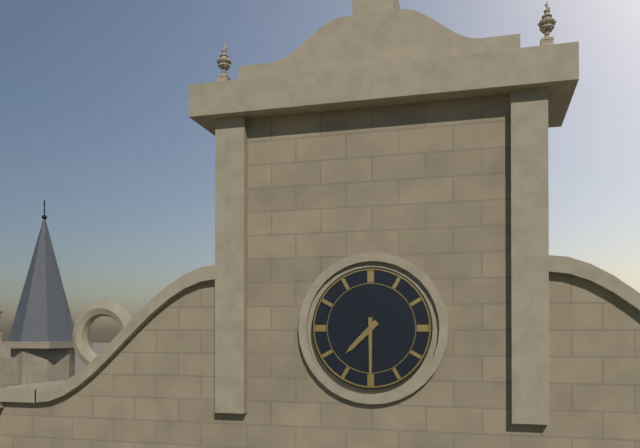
h=7 m=30
